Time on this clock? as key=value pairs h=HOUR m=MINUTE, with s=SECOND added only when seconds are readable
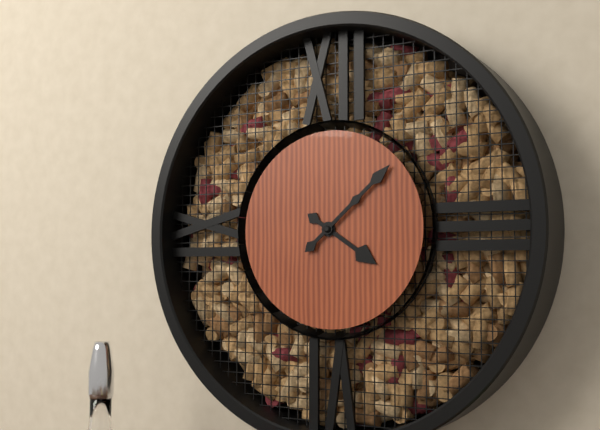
h=4 m=8
